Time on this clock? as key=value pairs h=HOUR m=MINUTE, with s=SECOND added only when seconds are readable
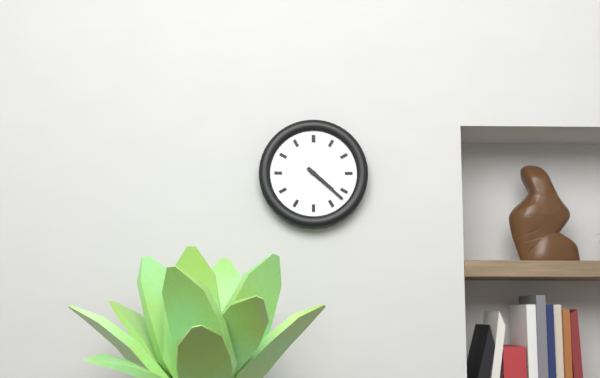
h=4 m=22
